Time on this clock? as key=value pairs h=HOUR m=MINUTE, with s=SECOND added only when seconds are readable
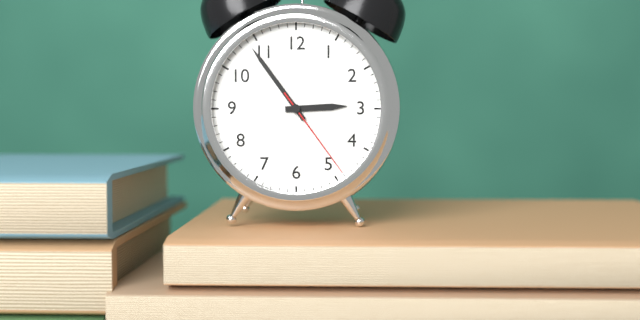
h=2 m=54 s=24
